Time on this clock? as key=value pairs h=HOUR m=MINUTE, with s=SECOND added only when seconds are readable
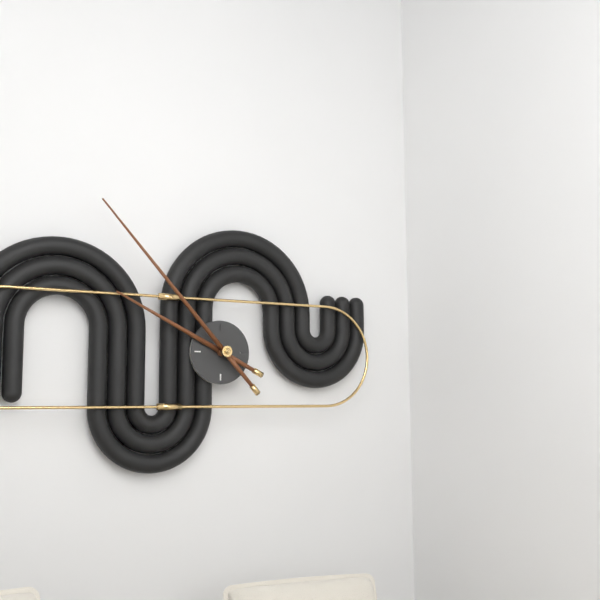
h=9 m=53
